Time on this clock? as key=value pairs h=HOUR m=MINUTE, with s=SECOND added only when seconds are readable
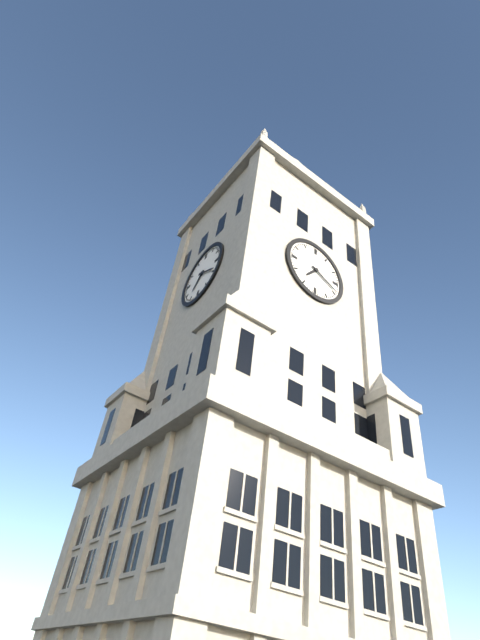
h=7 m=19
